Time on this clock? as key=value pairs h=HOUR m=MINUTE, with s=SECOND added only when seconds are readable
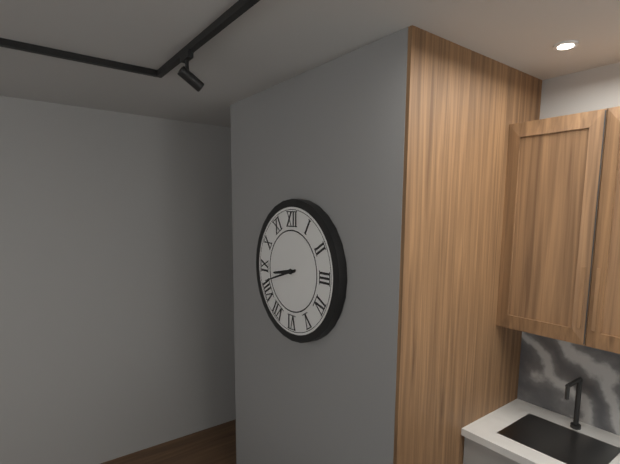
h=8 m=42
